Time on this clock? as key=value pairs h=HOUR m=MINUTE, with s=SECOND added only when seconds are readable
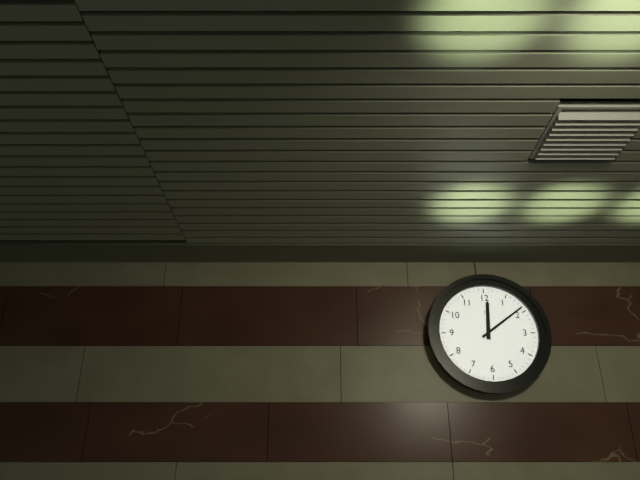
h=12 m=9
